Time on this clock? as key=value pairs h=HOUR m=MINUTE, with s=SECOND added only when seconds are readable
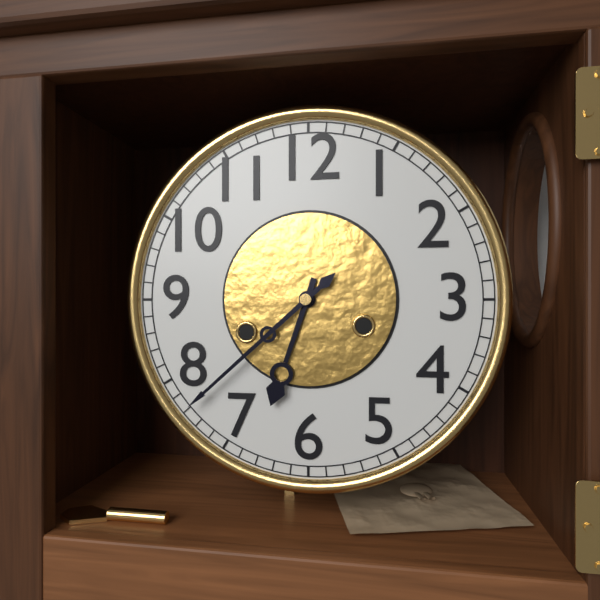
h=6 m=38
